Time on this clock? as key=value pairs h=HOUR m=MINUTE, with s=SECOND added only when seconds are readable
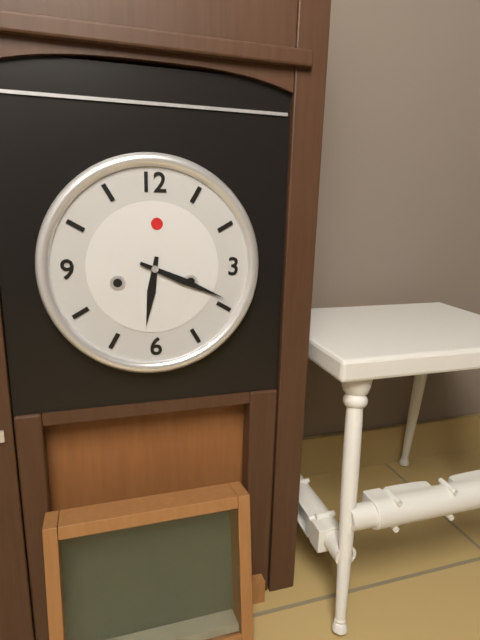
h=6 m=19
